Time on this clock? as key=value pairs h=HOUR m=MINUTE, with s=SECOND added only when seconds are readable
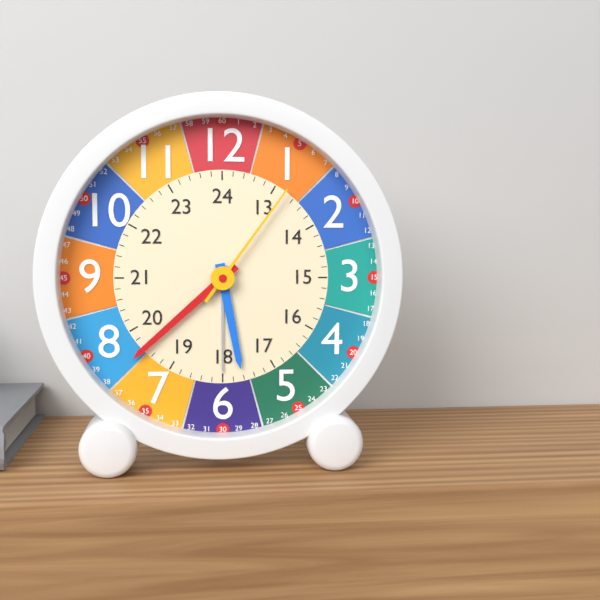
h=5 m=38 s=6
